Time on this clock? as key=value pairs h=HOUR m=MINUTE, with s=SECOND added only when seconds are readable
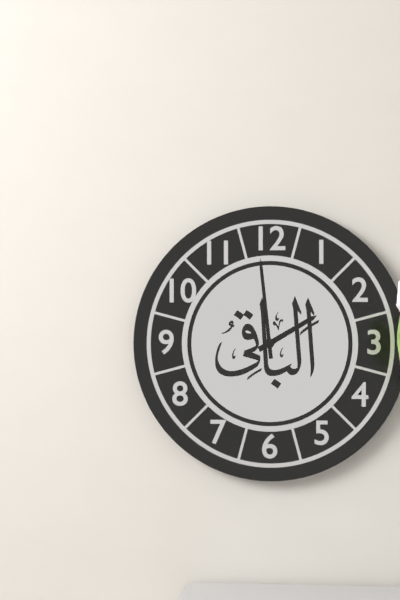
h=1 m=59
